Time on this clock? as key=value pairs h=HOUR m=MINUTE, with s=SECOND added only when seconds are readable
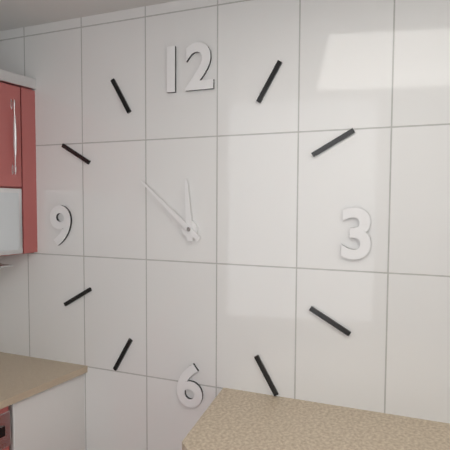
h=11 m=52
